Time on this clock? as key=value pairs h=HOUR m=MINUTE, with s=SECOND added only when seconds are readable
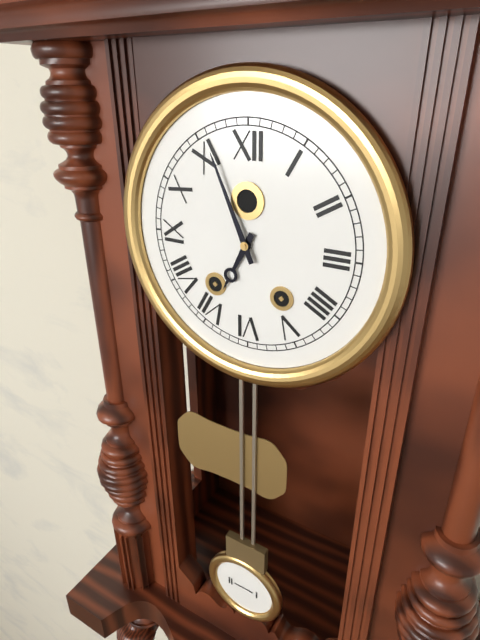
h=6 m=56
